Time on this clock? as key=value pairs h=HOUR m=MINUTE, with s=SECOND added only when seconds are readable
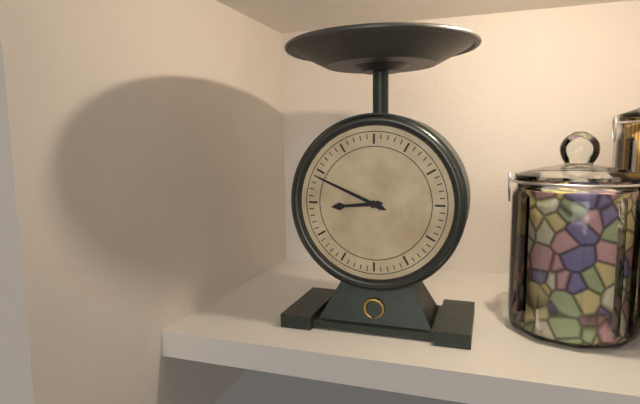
h=8 m=49
